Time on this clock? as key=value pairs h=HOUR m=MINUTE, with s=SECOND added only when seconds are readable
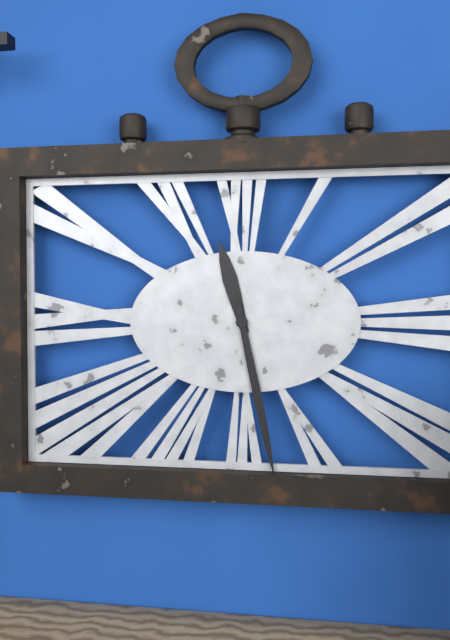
h=11 m=28
